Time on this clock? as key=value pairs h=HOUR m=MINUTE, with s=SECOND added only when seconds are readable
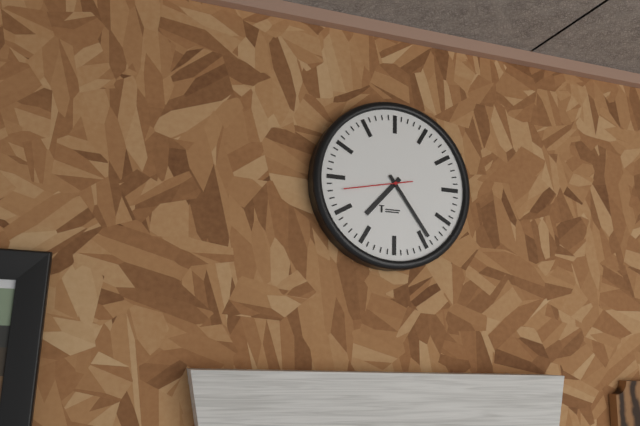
h=7 m=24 s=43
